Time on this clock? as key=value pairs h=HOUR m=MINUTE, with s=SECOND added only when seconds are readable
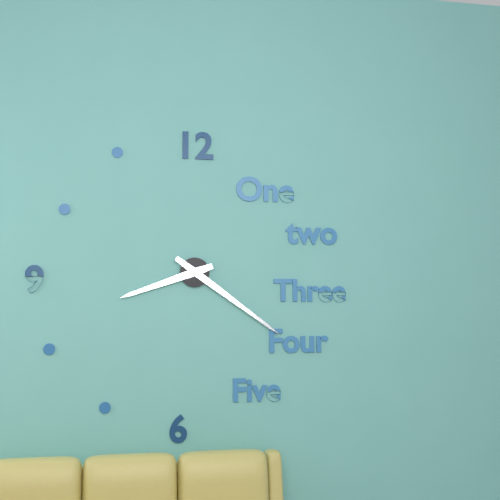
h=8 m=21
